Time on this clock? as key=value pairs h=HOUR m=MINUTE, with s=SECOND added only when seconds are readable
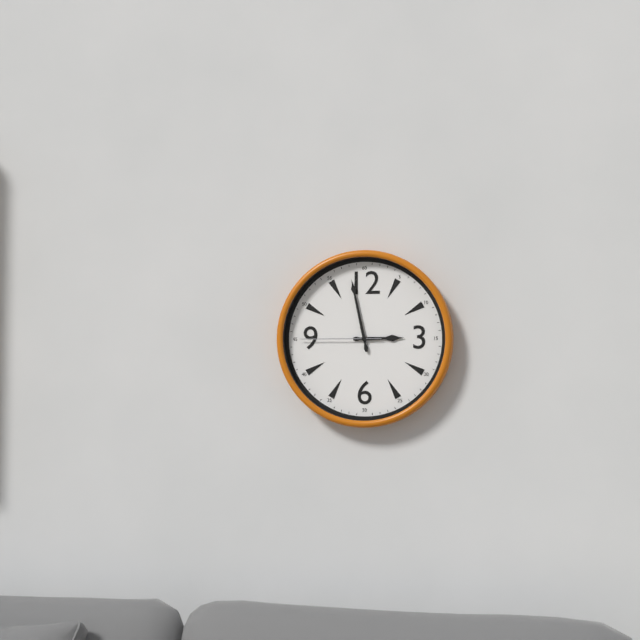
h=2 m=58 s=45
